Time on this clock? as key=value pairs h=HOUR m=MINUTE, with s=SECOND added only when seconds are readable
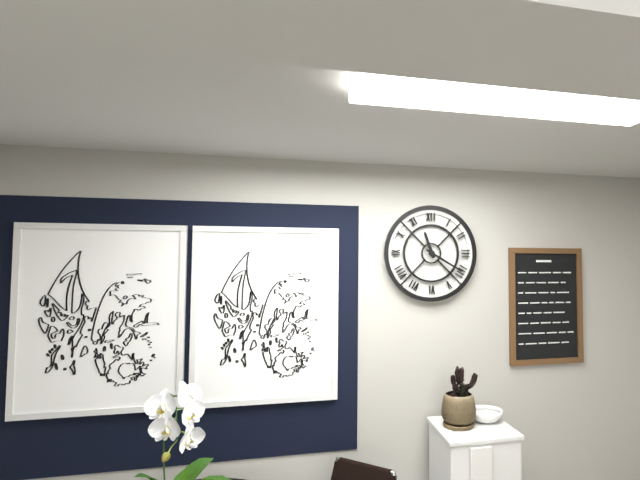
h=11 m=20
